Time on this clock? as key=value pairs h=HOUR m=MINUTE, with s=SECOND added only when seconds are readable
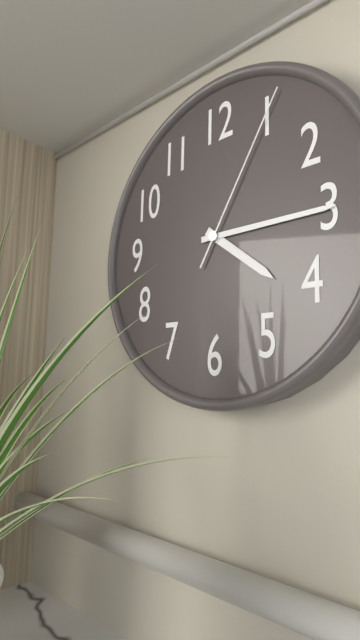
h=4 m=15 s=5
